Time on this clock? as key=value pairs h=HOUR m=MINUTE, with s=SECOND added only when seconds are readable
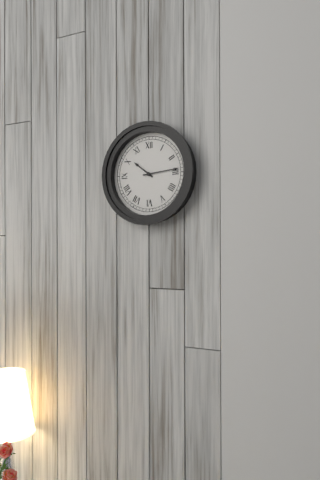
h=10 m=14
